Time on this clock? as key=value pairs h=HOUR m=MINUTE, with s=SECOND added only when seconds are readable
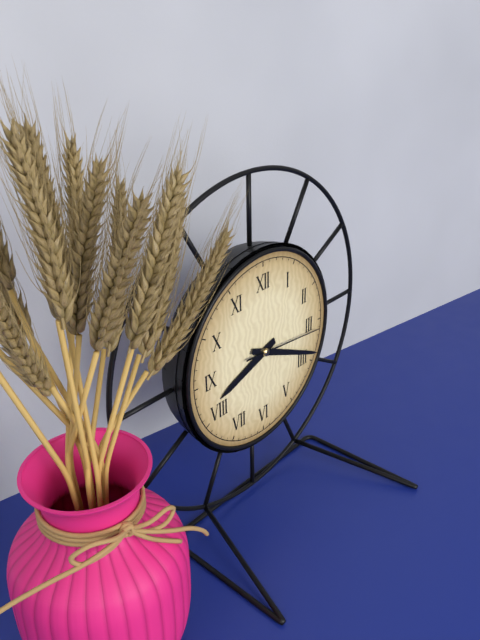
h=8 m=19 s=16
